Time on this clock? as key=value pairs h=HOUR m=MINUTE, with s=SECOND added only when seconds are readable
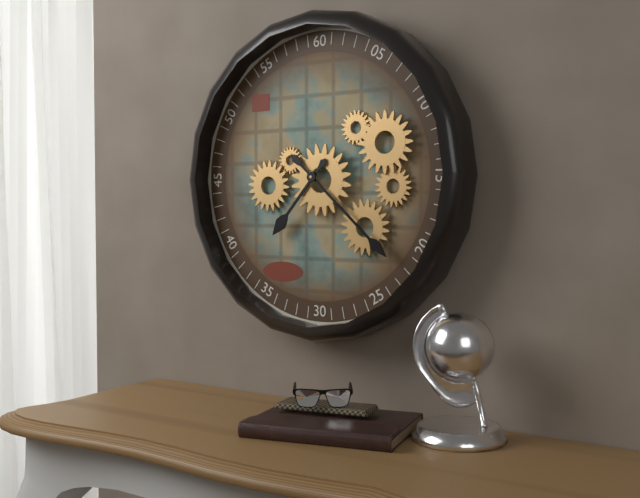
h=7 m=22
